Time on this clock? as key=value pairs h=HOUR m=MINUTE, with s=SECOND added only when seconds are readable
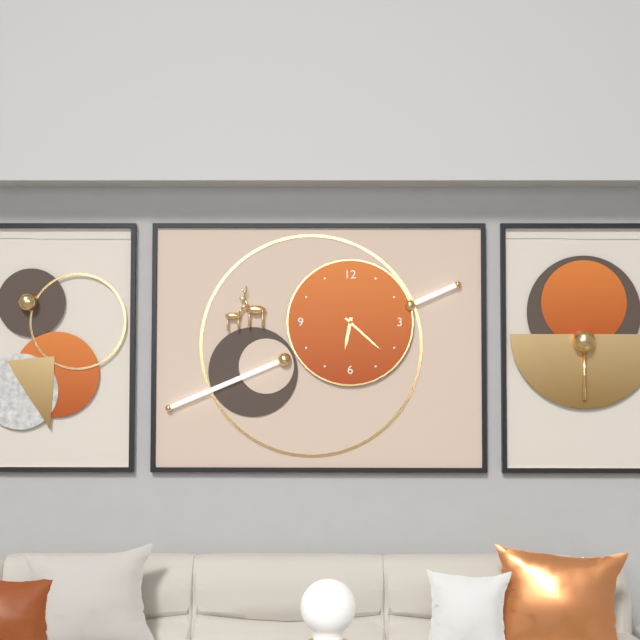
h=6 m=22
